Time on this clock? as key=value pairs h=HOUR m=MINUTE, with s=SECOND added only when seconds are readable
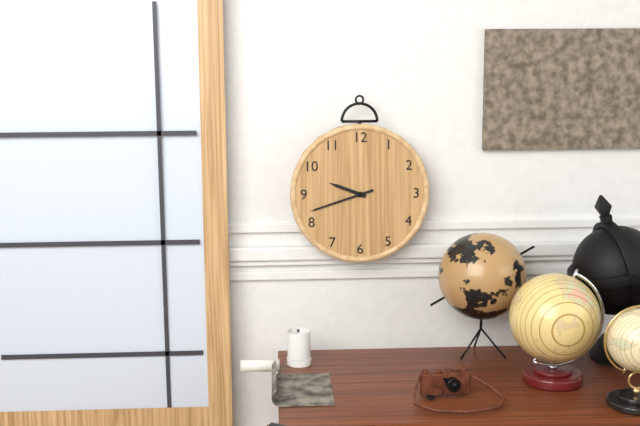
h=9 m=42
